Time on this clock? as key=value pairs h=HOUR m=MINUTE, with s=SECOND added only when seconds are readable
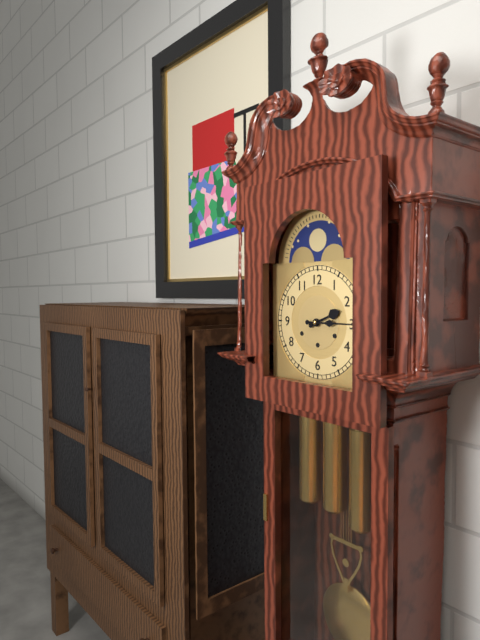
h=2 m=15
